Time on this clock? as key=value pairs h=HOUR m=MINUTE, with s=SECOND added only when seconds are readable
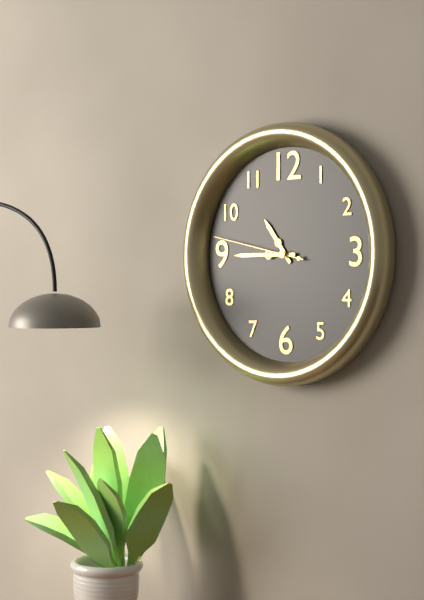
h=10 m=45 s=47
